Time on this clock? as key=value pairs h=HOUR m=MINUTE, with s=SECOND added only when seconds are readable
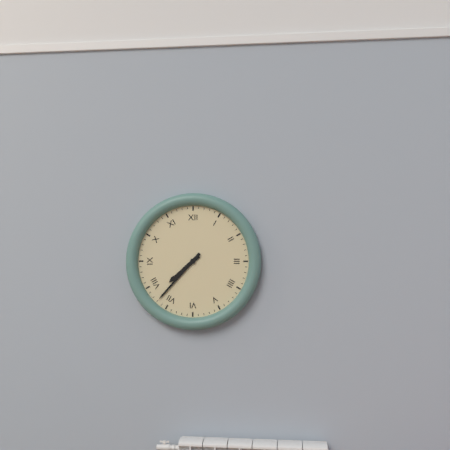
h=7 m=37
